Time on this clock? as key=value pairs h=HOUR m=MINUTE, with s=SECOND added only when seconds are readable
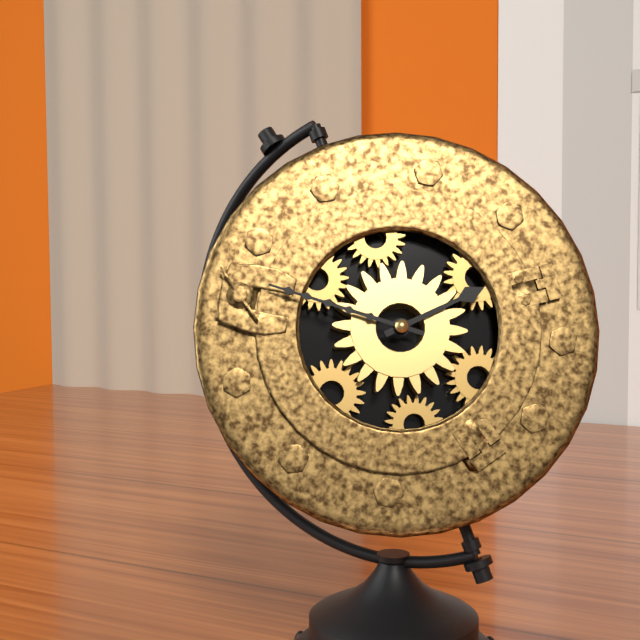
h=1 m=46
